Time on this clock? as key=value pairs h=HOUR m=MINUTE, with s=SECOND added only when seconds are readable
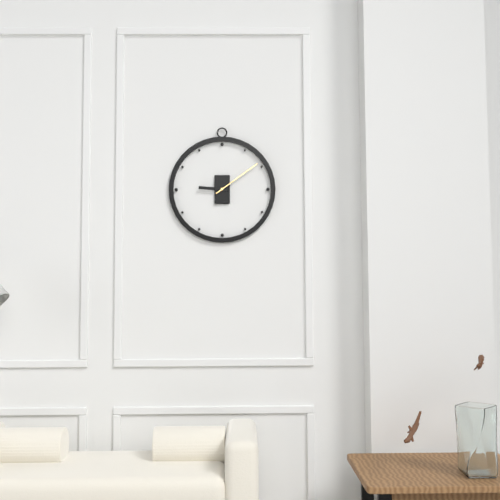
h=9 m=9
